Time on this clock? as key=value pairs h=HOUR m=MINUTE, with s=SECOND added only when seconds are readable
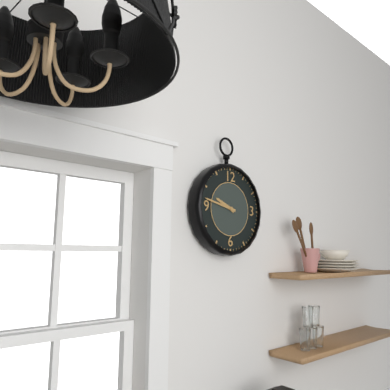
h=9 m=47
